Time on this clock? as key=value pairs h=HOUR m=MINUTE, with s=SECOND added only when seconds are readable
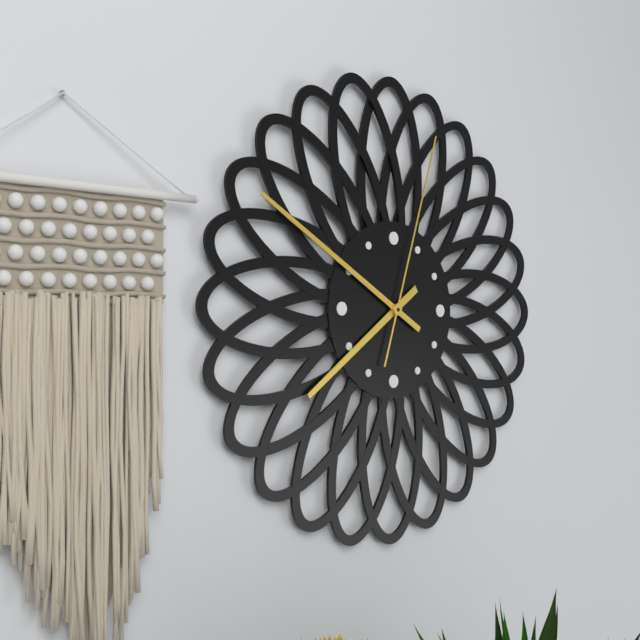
h=7 m=50 s=3
